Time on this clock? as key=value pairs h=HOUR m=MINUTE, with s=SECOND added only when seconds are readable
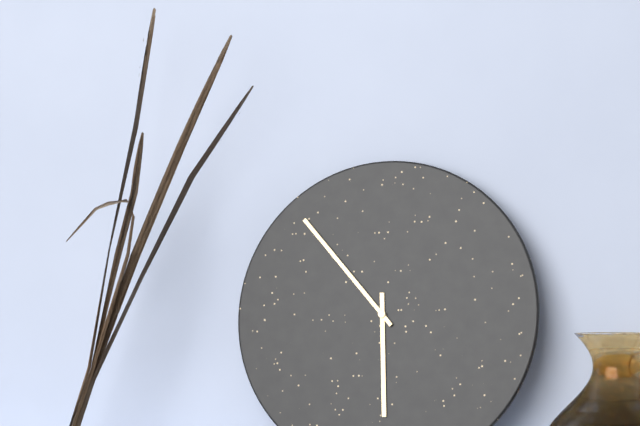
h=5 m=53
